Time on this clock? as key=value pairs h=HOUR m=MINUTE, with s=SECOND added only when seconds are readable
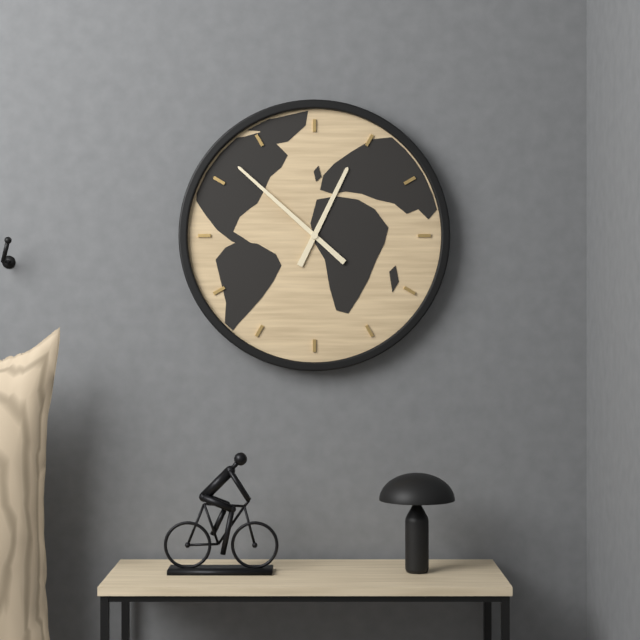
h=12 m=52
